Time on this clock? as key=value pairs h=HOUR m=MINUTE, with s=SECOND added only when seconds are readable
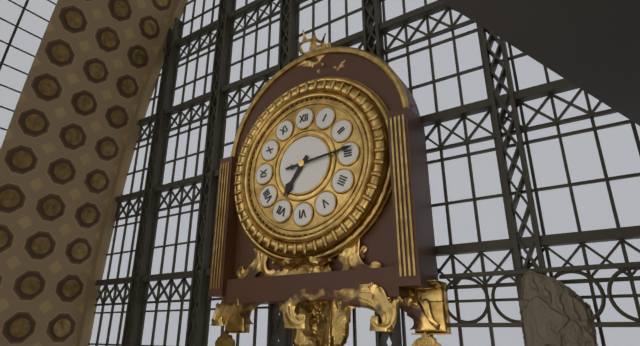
h=7 m=14
